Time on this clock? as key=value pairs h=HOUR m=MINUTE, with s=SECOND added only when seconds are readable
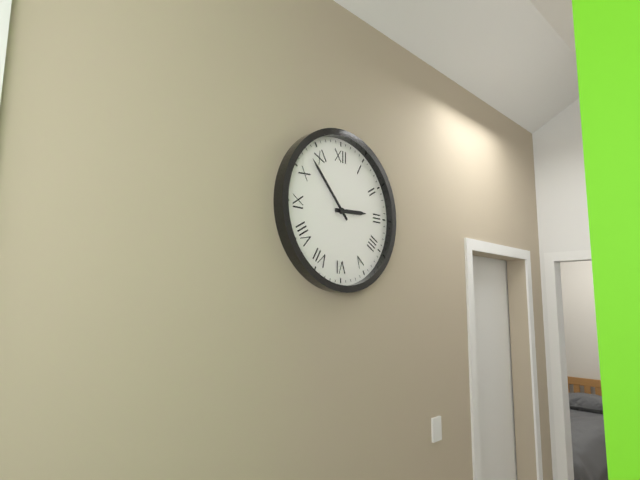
h=2 m=53
